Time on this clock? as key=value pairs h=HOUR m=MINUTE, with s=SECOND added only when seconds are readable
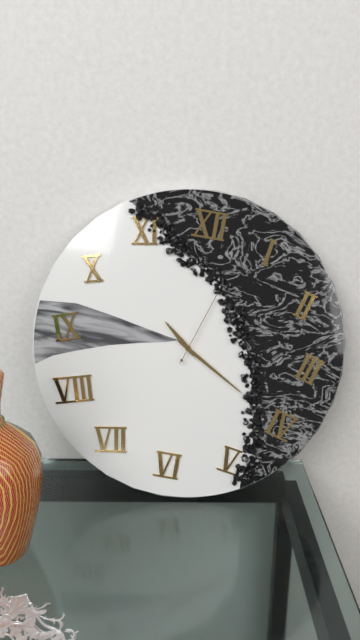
h=10 m=20 s=3
